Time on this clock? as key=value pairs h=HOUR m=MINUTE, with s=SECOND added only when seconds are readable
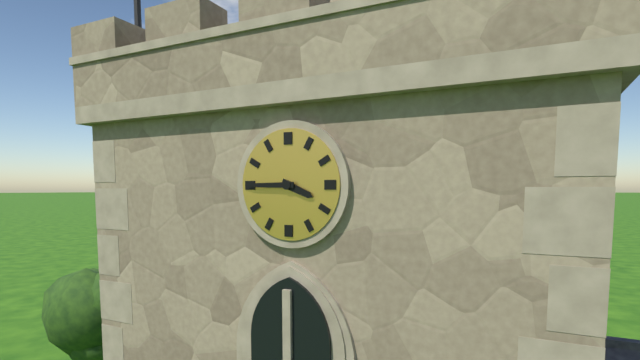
h=3 m=45
